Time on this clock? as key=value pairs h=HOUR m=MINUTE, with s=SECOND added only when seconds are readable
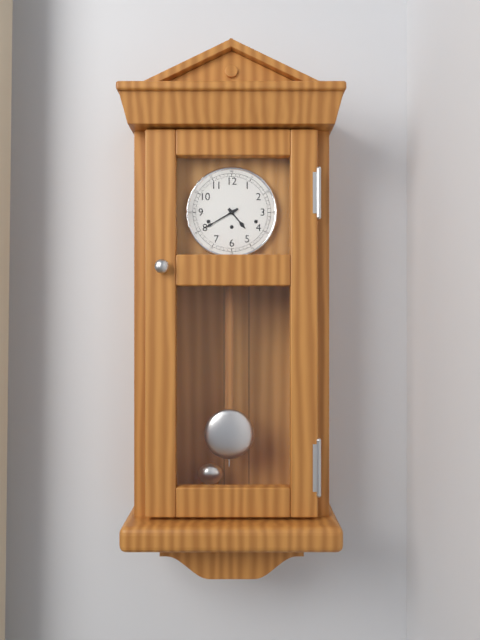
h=4 m=40
